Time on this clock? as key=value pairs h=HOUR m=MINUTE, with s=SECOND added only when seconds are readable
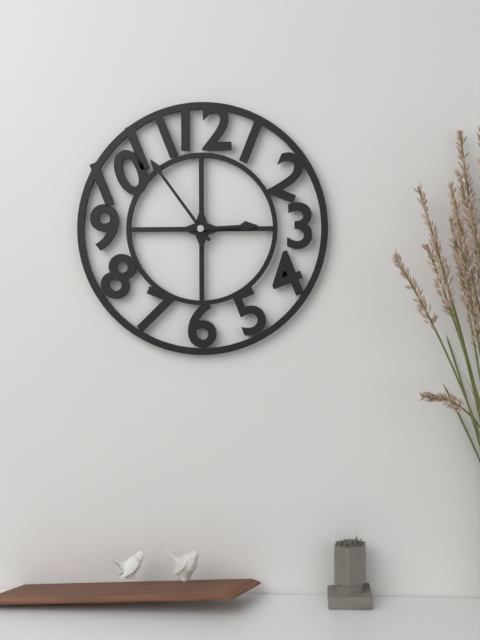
h=2 m=54
